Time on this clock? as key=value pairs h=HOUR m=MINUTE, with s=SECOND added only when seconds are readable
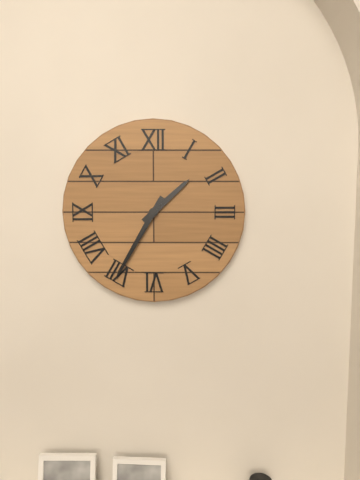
h=1 m=35
